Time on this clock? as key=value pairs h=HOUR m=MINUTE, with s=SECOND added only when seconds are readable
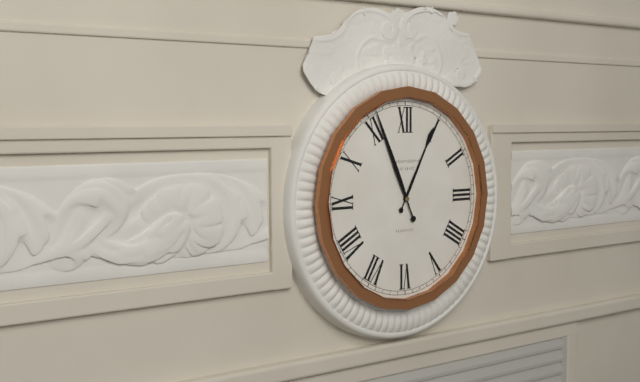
h=12 m=56
